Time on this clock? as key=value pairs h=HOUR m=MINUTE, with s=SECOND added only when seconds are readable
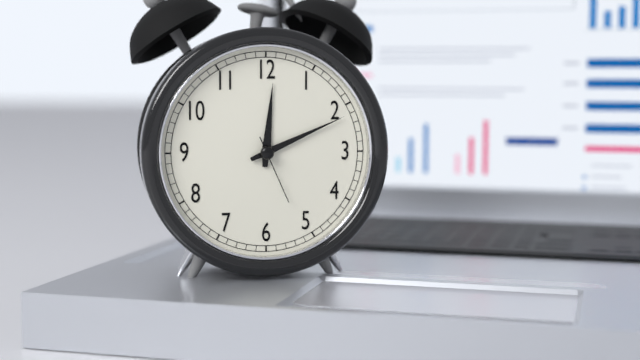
h=12 m=11 s=26
